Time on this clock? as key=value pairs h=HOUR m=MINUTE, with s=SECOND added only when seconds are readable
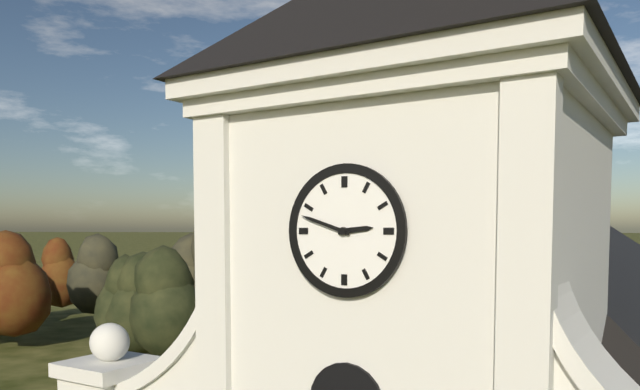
h=2 m=48
